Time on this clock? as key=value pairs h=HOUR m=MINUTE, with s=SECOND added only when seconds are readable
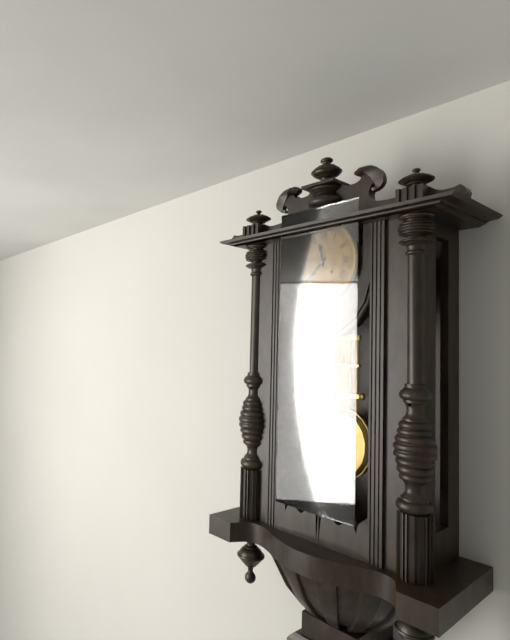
h=11 m=38
